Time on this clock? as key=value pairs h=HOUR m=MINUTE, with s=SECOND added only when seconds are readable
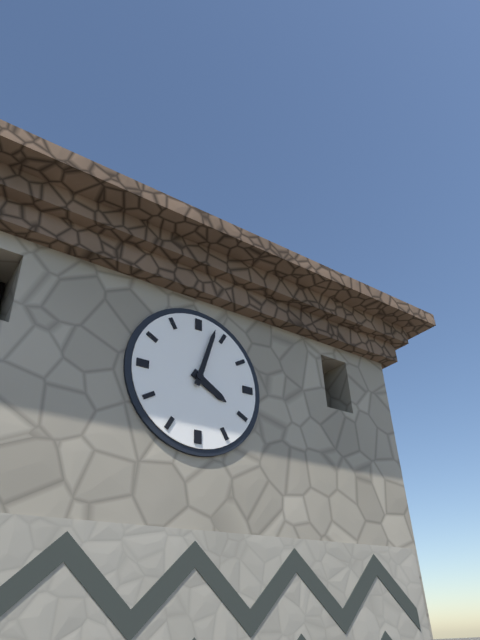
h=4 m=3
